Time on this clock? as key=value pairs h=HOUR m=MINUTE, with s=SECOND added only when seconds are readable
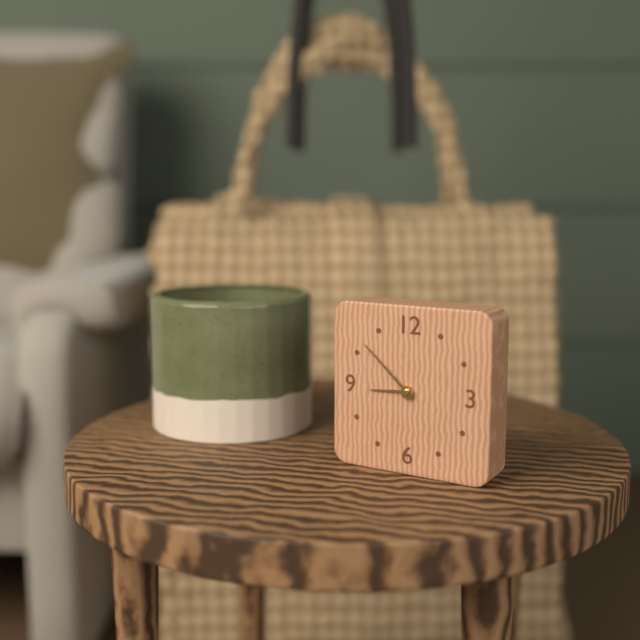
h=8 m=52
